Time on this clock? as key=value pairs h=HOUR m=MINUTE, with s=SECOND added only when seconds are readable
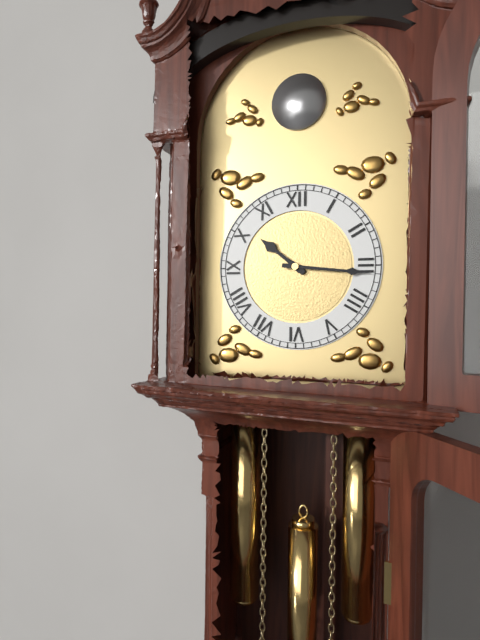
h=10 m=16
